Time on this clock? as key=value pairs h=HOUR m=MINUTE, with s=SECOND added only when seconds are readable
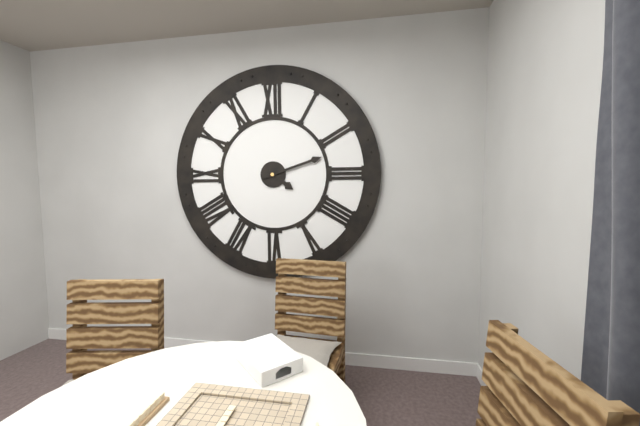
h=4 m=12
